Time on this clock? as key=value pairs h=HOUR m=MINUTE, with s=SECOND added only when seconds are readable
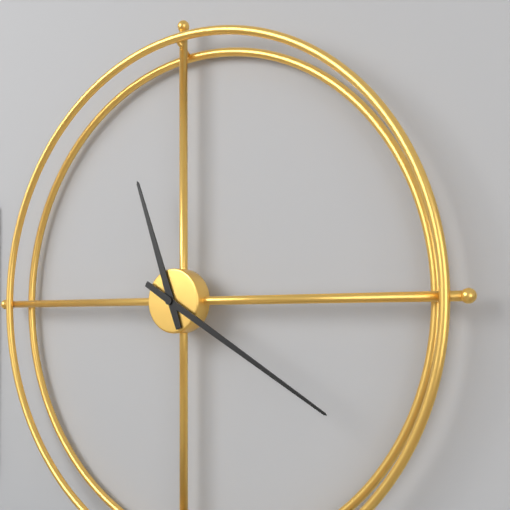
h=11 m=20
